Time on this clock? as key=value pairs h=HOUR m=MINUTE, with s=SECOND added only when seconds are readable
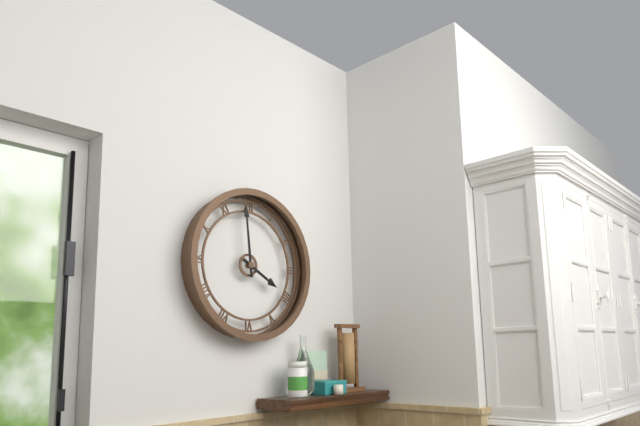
h=3 m=59
